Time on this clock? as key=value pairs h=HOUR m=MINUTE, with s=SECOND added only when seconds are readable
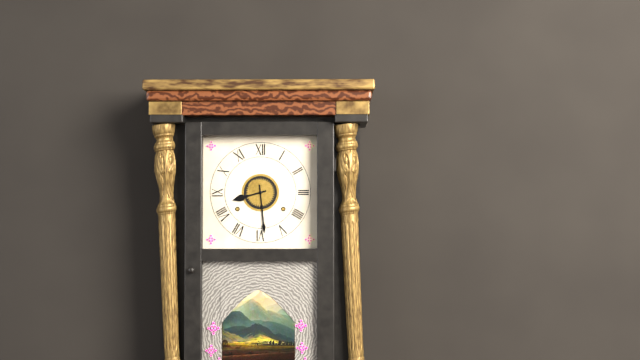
h=8 m=29
